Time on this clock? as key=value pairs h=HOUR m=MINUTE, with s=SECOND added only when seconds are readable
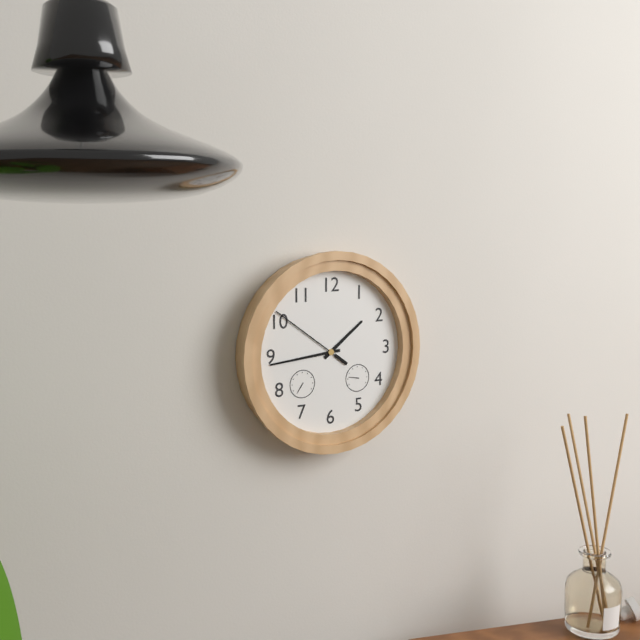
h=1 m=44 s=51
